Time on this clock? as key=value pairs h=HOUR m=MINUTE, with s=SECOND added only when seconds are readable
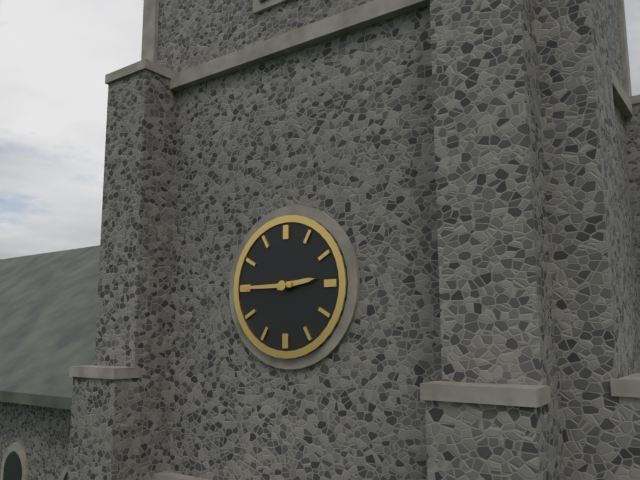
h=2 m=45
